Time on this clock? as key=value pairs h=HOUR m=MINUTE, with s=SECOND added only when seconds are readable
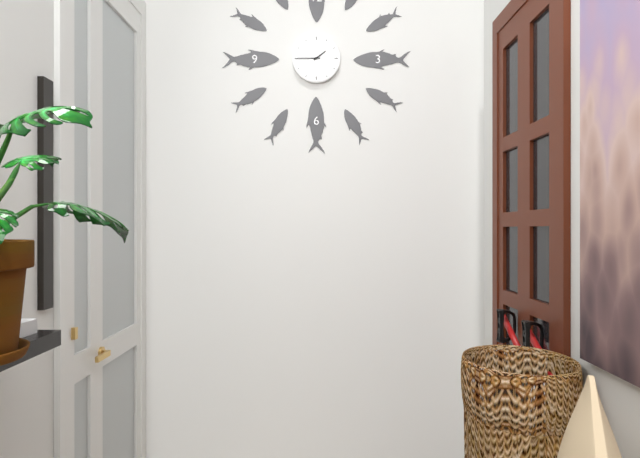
h=1 m=45
